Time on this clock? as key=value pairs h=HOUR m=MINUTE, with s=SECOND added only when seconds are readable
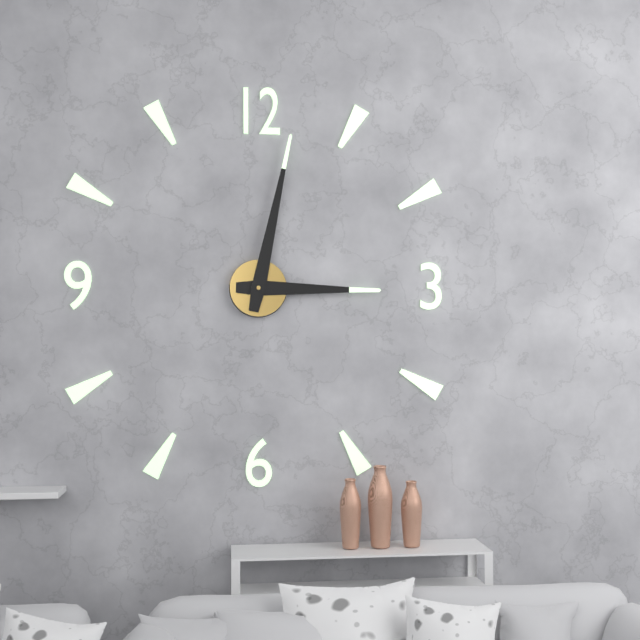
h=3 m=2
